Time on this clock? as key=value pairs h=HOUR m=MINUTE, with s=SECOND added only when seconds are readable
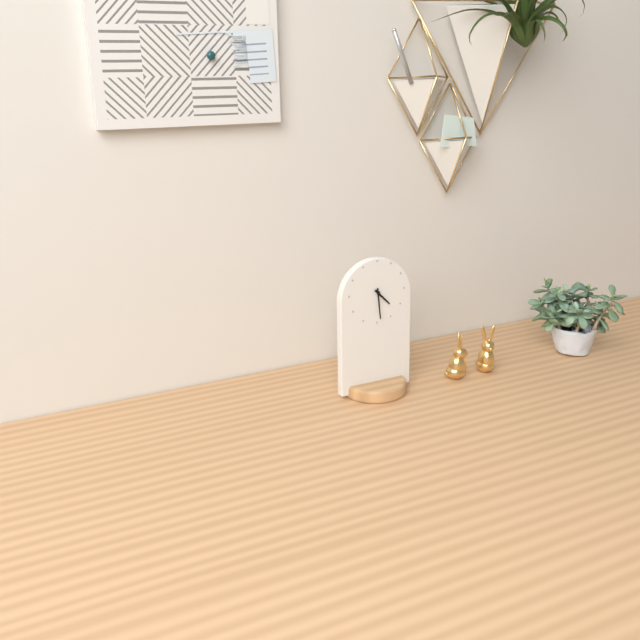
h=4 m=29
